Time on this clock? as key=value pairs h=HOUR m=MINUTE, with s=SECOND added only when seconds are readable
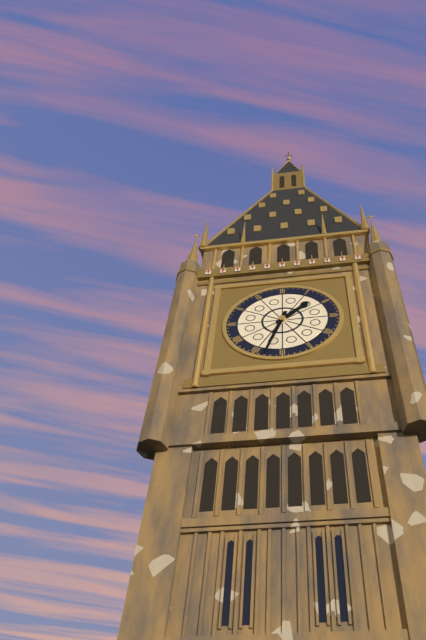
h=1 m=33
